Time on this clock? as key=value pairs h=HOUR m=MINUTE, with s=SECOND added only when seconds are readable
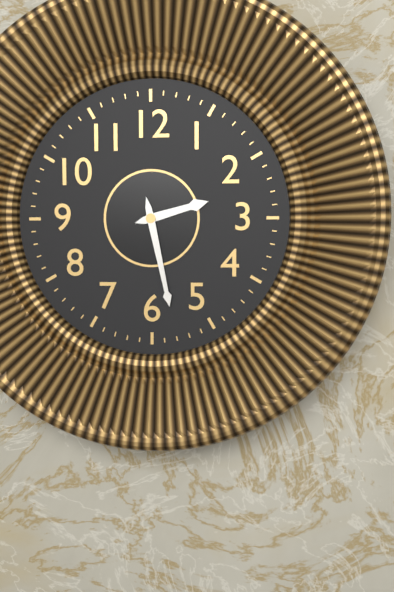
h=2 m=28
